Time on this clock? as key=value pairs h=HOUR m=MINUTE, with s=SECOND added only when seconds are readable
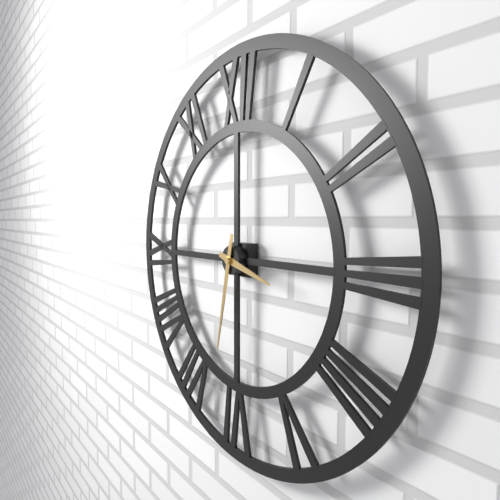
h=3 m=32
